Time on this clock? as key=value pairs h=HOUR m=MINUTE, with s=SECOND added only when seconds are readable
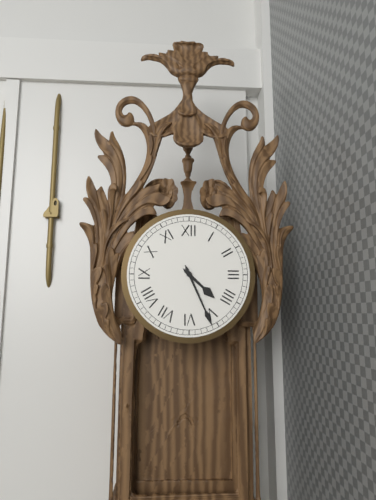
h=4 m=26
